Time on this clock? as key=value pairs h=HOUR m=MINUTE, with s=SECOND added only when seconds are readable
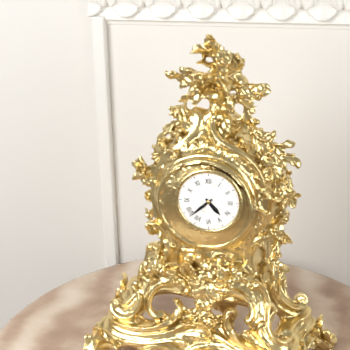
h=4 m=38
